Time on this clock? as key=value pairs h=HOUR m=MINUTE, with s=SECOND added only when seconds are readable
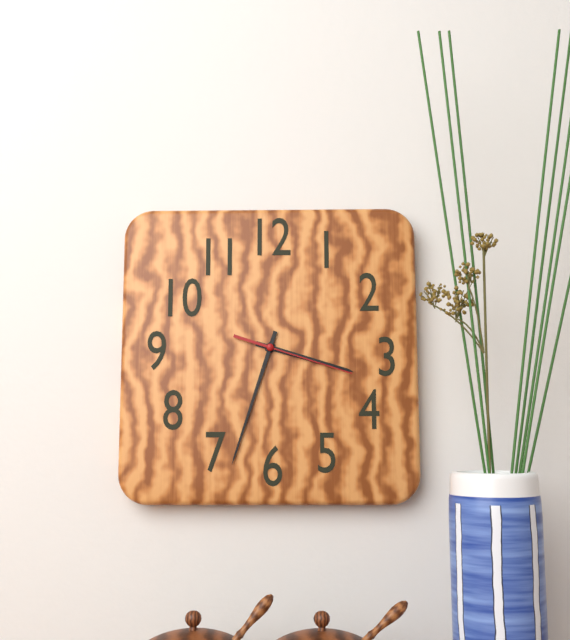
h=3 m=33 s=18
